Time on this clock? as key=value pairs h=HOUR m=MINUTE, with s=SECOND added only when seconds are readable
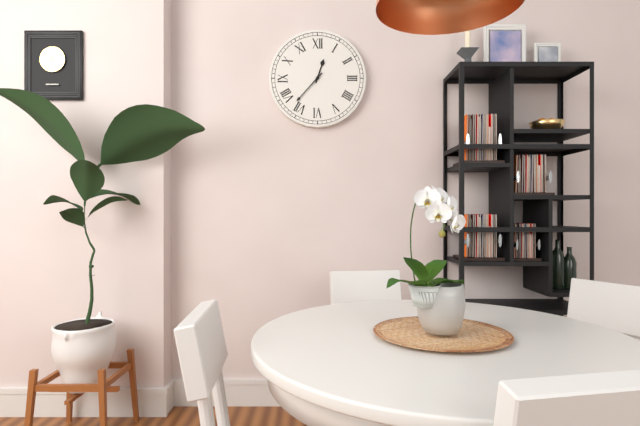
h=12 m=37
